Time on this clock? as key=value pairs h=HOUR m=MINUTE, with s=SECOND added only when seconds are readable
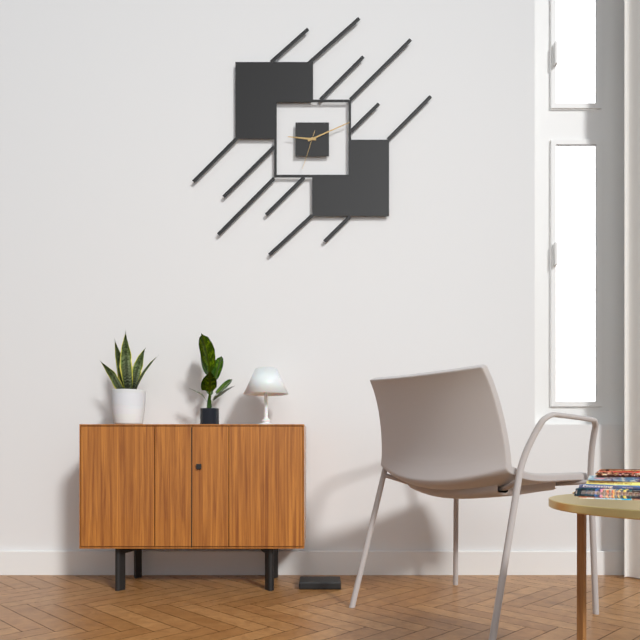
h=9 m=11
